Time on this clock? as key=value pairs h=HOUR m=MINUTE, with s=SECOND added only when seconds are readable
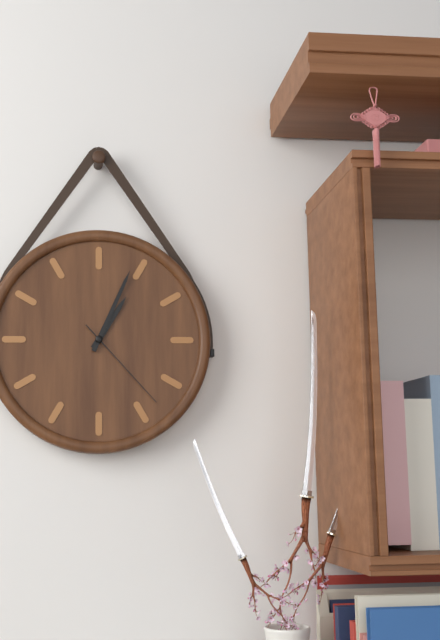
h=1 m=4 s=23
